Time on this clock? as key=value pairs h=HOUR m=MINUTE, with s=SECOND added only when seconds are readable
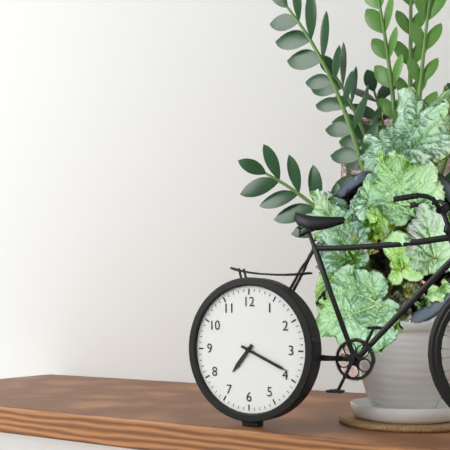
h=7 m=19
